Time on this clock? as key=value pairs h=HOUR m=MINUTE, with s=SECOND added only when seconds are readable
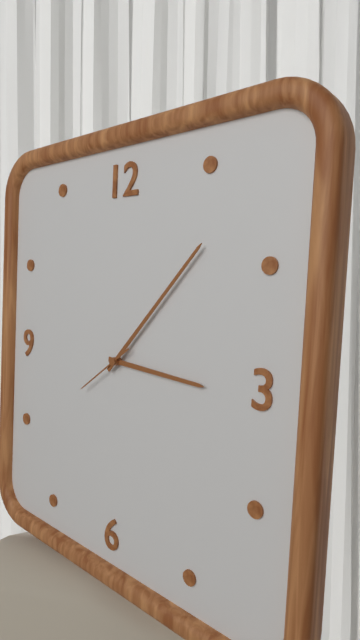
h=3 m=7 s=39
